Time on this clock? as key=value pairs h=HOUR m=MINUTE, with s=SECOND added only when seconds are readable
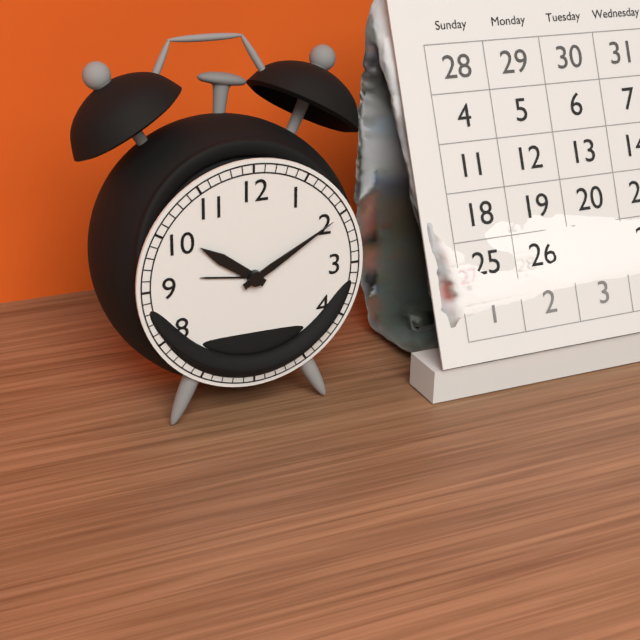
h=10 m=10
